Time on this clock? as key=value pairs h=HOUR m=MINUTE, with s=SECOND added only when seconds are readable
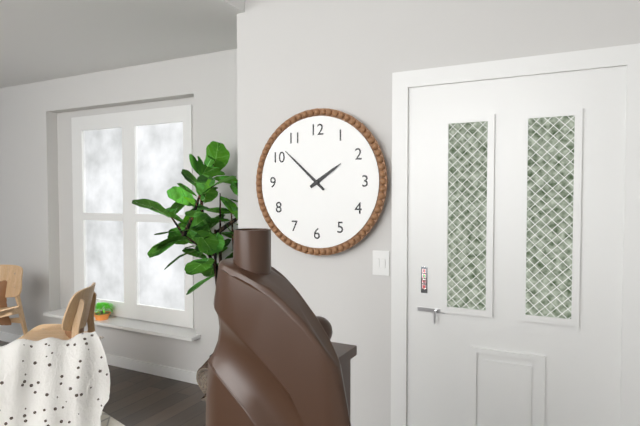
h=1 m=52
